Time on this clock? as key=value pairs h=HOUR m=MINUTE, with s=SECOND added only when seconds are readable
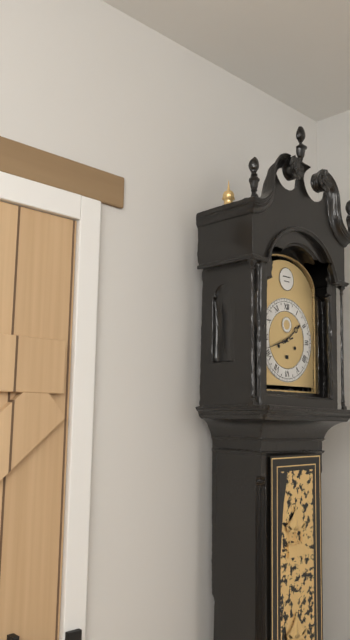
h=1 m=42
